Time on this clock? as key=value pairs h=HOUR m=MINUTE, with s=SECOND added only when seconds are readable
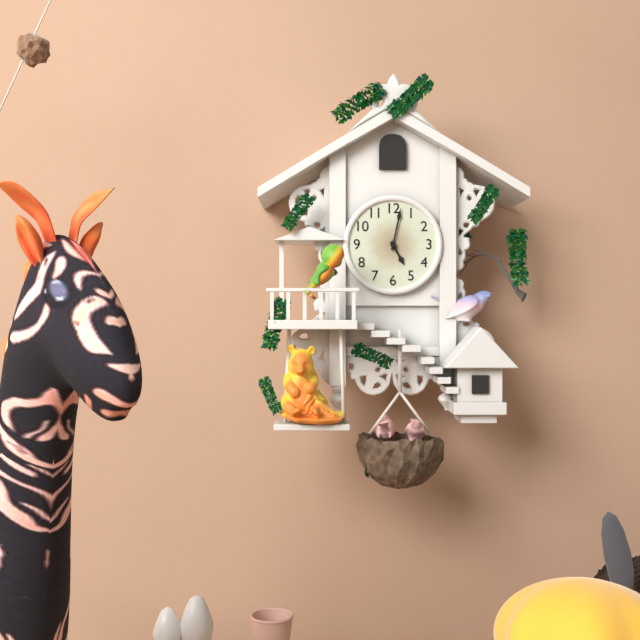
h=5 m=2
